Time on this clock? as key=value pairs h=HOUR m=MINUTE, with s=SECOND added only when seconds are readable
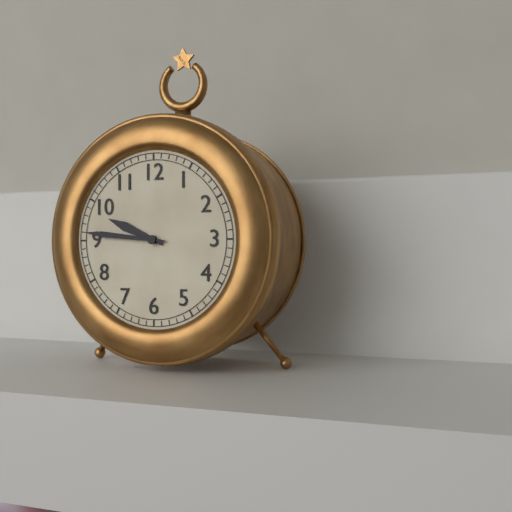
h=9 m=46
